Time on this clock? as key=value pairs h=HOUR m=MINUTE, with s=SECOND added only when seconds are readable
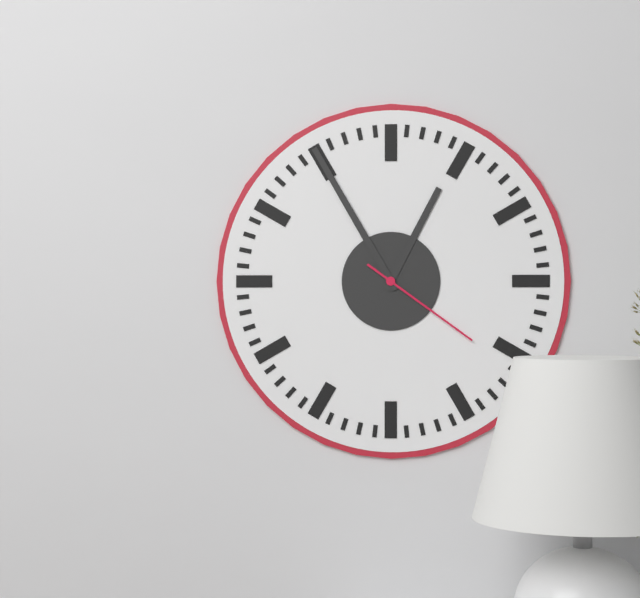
h=12 m=55 s=21
